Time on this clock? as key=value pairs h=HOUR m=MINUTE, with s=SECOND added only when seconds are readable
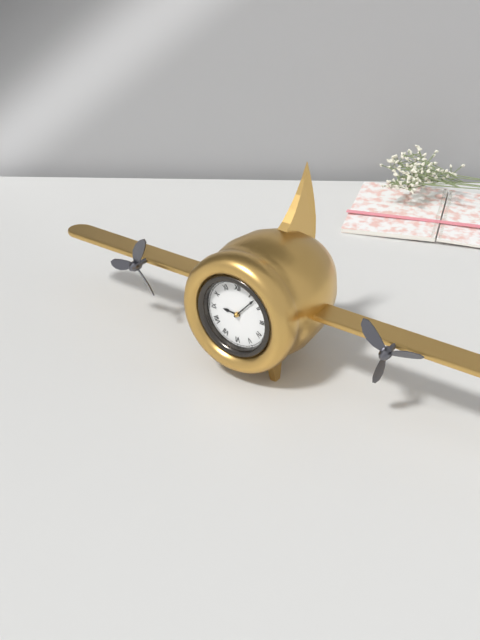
h=9 m=7
